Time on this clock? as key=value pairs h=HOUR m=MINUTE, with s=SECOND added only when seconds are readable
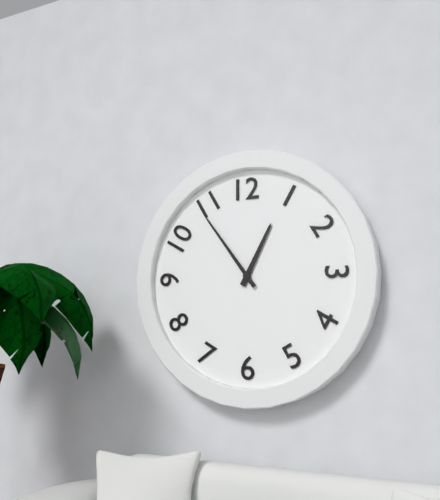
h=12 m=54
